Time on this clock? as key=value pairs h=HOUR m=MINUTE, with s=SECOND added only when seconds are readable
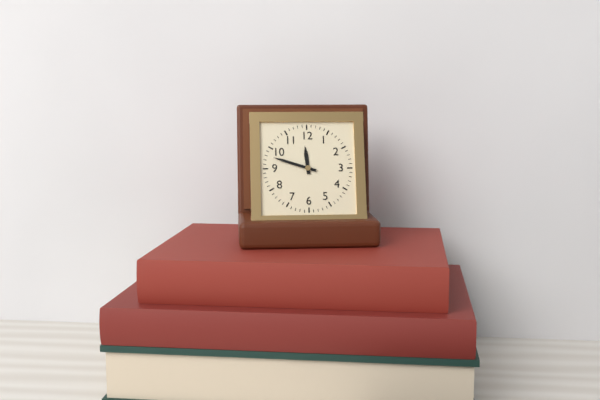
h=11 m=48
